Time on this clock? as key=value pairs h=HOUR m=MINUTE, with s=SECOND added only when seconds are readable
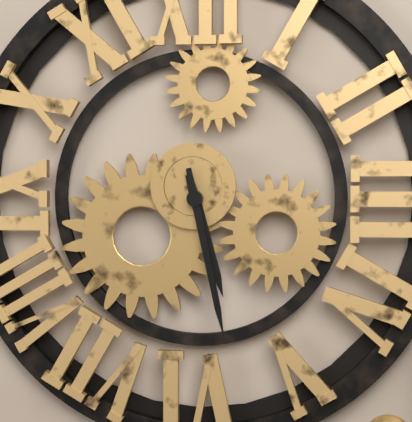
h=5 m=28
